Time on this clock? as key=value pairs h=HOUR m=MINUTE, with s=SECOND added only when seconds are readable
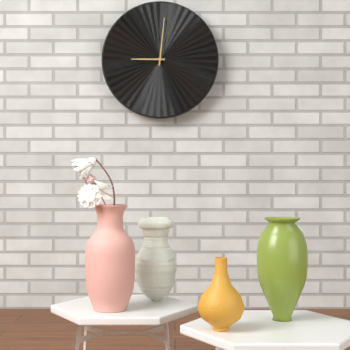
h=9 m=1
